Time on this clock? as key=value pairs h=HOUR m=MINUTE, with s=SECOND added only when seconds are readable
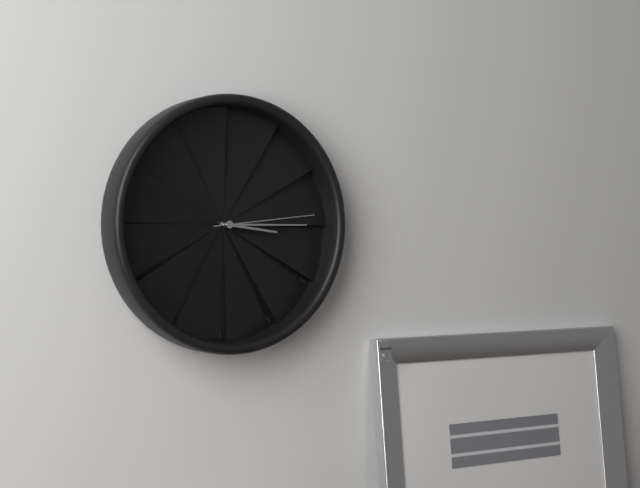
h=3 m=15 s=14
